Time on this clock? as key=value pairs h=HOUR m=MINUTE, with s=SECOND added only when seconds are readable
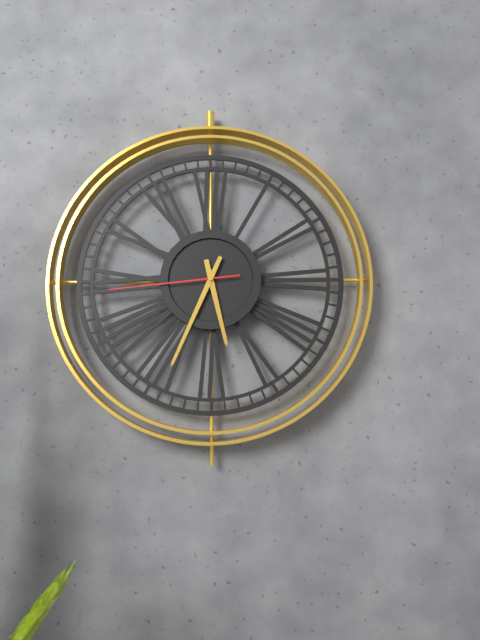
h=5 m=34 s=44
